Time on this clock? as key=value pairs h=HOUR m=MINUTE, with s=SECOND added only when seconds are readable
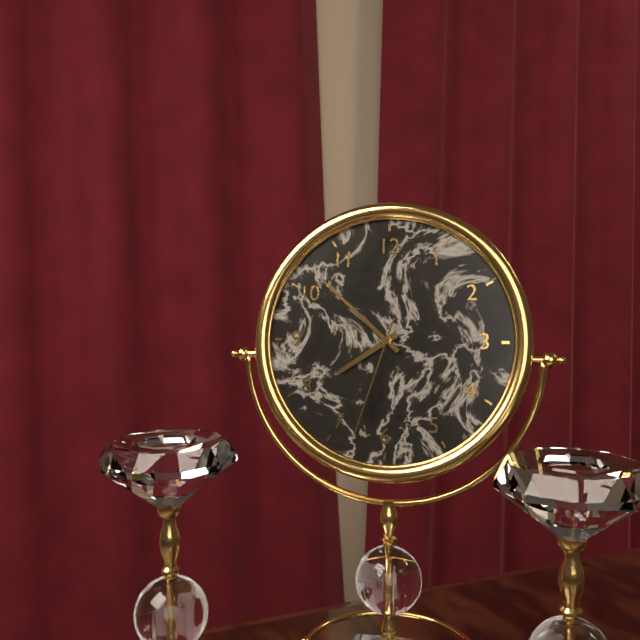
h=7 m=52 s=33
